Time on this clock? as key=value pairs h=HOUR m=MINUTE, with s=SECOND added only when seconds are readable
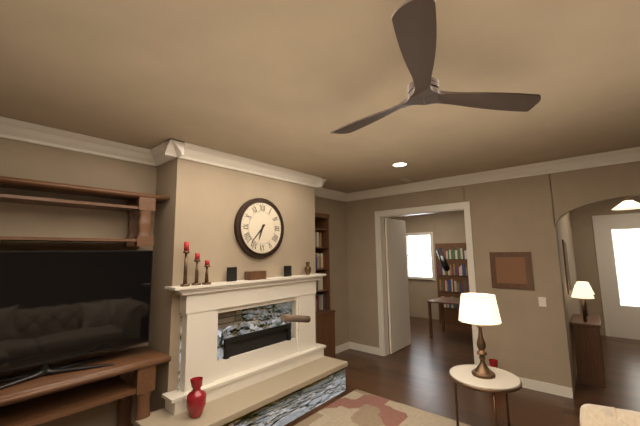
h=6 m=37
